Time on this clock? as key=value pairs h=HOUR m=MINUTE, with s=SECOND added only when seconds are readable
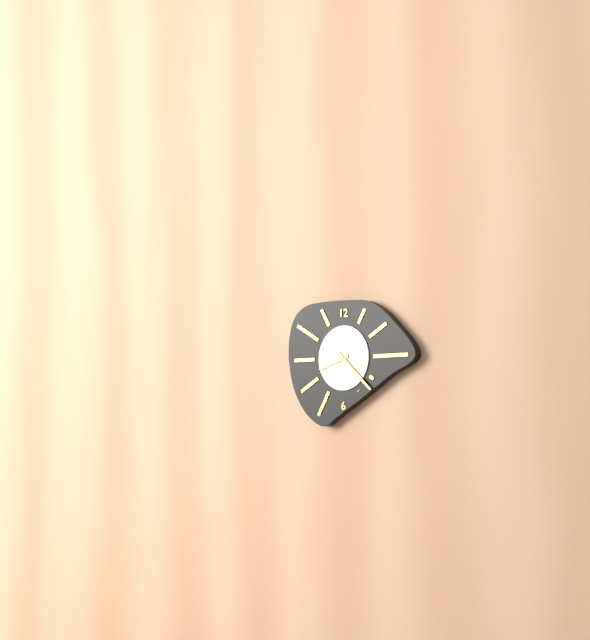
h=8 m=22
